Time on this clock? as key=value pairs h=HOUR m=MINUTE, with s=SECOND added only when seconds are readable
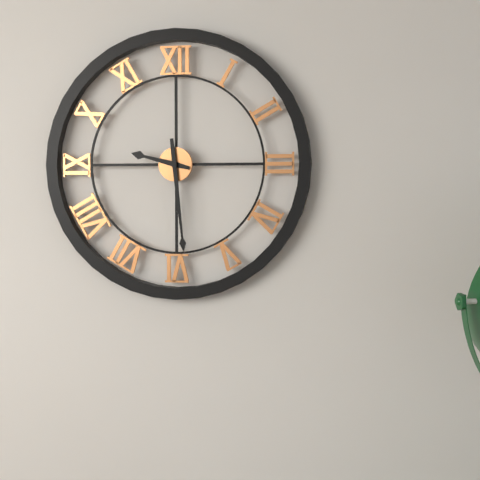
h=9 m=29
